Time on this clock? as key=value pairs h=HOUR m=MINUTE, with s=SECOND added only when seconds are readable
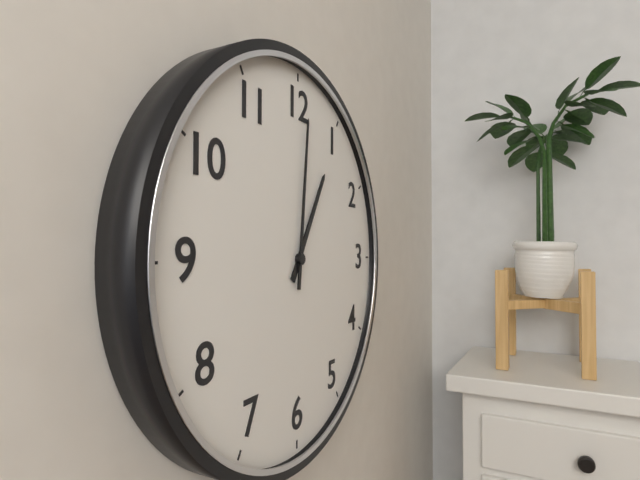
h=1 m=1
